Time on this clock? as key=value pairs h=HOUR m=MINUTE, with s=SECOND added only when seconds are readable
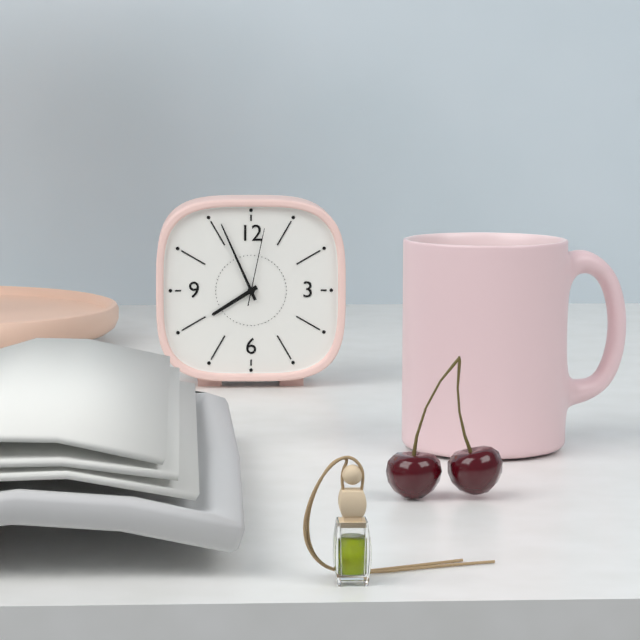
h=7 m=56 s=2
